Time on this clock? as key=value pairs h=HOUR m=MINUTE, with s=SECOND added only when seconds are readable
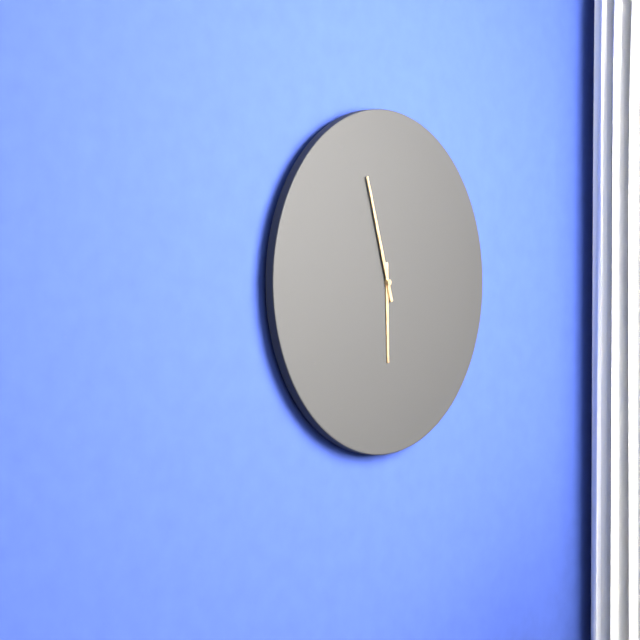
h=5 m=57
